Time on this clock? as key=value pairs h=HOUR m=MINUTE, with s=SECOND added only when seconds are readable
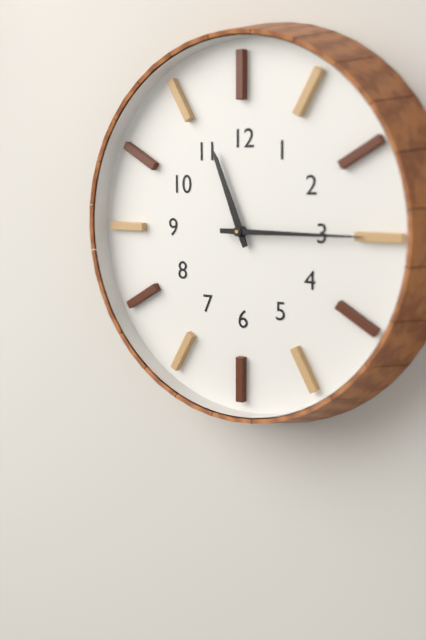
h=11 m=15
